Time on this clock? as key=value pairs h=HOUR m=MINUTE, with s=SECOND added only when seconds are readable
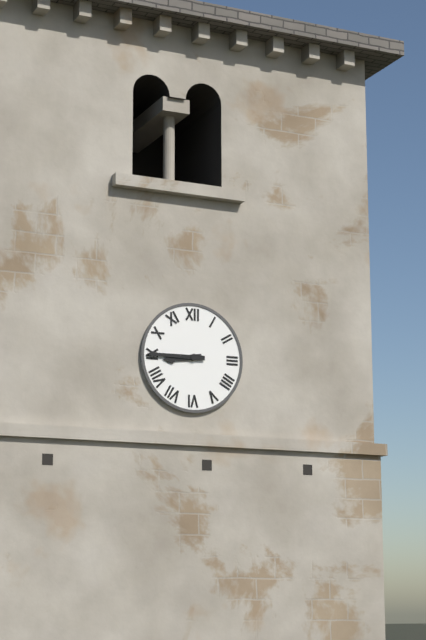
h=8 m=45
